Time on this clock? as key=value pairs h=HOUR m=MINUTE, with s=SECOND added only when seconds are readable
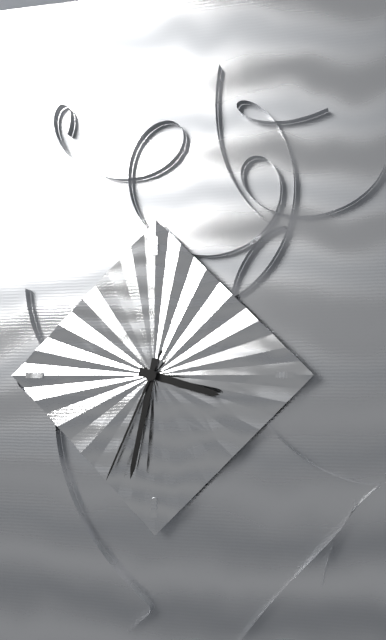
h=3 m=32 s=34
